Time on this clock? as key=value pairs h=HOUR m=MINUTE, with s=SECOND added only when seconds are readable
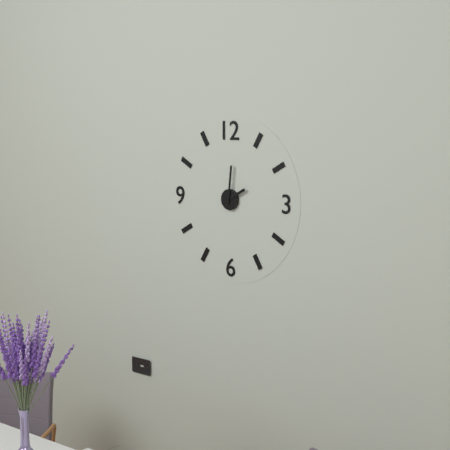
h=2 m=1
